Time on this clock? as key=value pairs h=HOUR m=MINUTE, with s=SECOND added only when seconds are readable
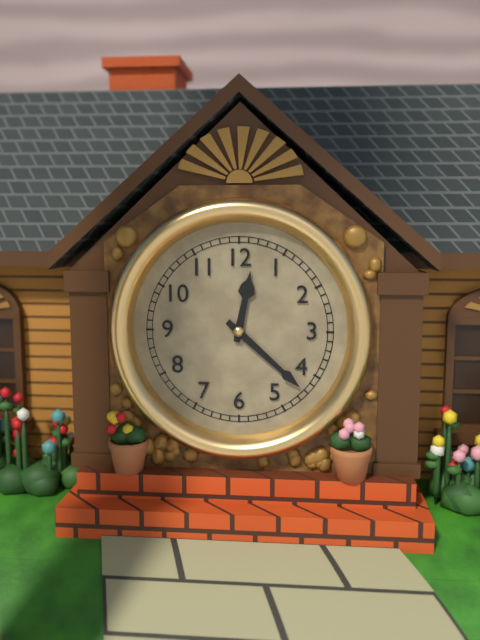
h=12 m=22
